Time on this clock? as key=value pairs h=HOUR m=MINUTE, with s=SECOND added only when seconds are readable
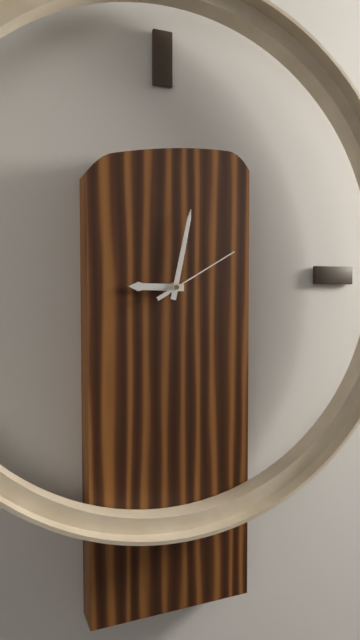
h=9 m=2 s=10
